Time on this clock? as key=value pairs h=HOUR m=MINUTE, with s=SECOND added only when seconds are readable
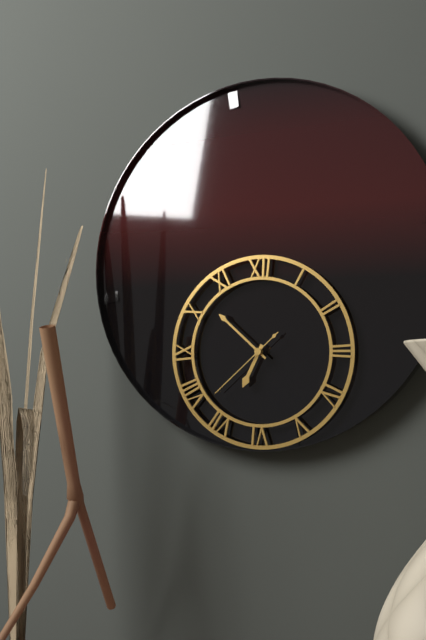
h=6 m=52 s=38
